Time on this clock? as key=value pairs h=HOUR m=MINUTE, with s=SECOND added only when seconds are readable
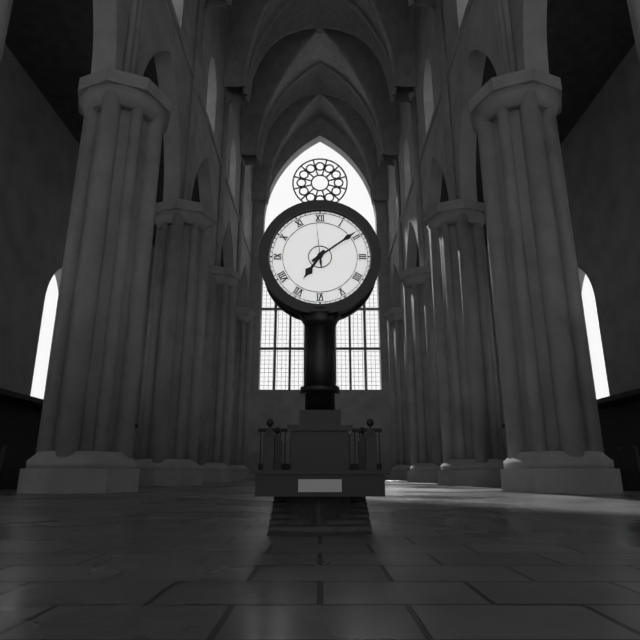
h=7 m=9 s=59
